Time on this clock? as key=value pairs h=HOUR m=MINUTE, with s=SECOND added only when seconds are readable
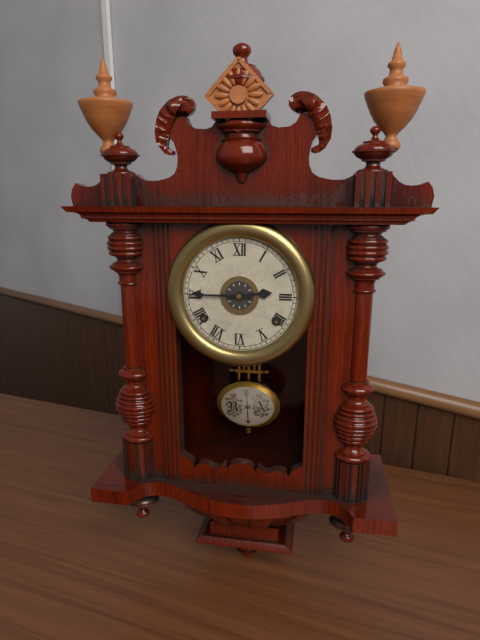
h=2 m=45
